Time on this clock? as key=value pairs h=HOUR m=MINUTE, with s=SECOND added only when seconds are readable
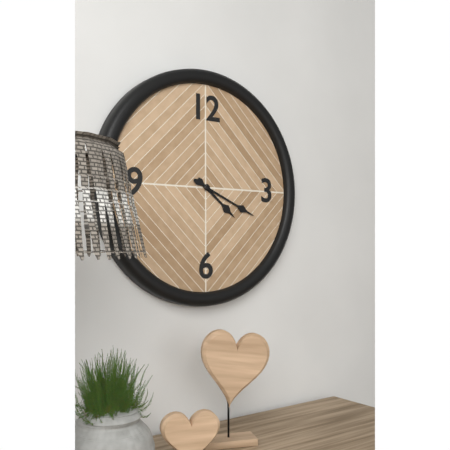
h=4 m=19
